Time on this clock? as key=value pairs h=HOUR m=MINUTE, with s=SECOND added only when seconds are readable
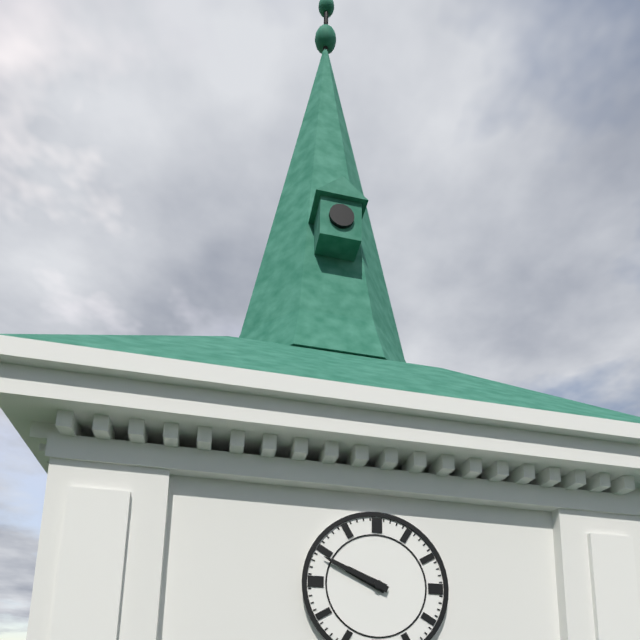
h=9 m=49
